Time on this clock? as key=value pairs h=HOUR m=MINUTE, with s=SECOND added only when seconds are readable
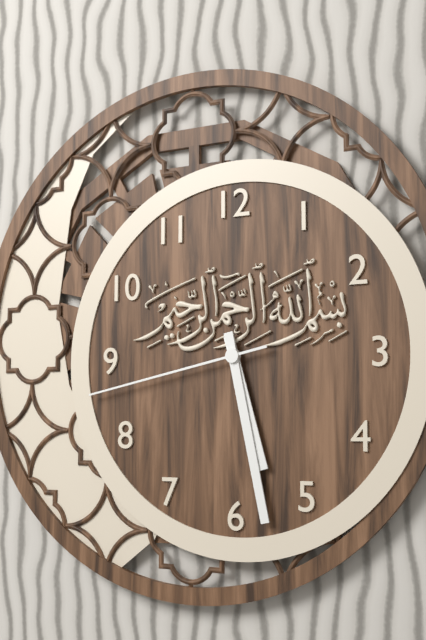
h=5 m=28 s=43
